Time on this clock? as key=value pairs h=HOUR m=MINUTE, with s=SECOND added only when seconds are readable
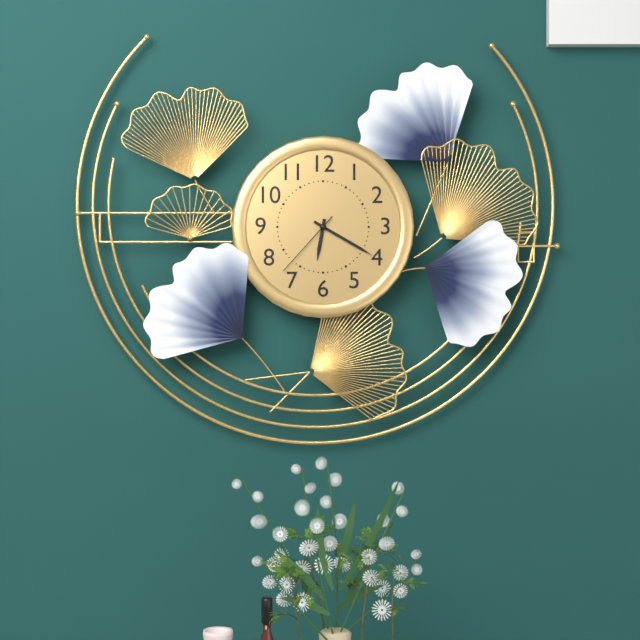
h=6 m=20 s=37
